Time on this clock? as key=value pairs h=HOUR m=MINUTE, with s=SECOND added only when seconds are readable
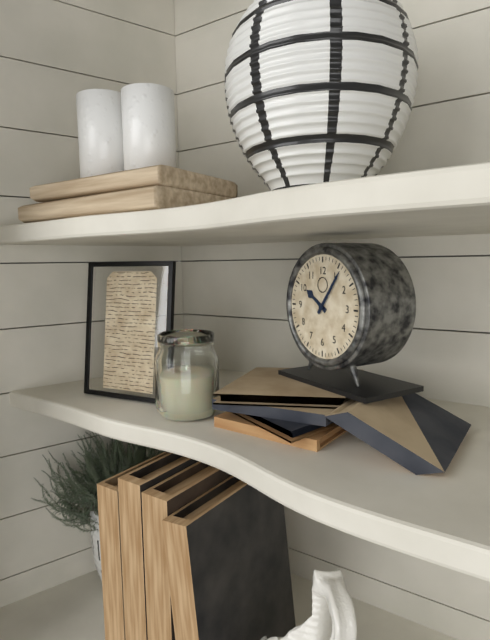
h=10 m=6
